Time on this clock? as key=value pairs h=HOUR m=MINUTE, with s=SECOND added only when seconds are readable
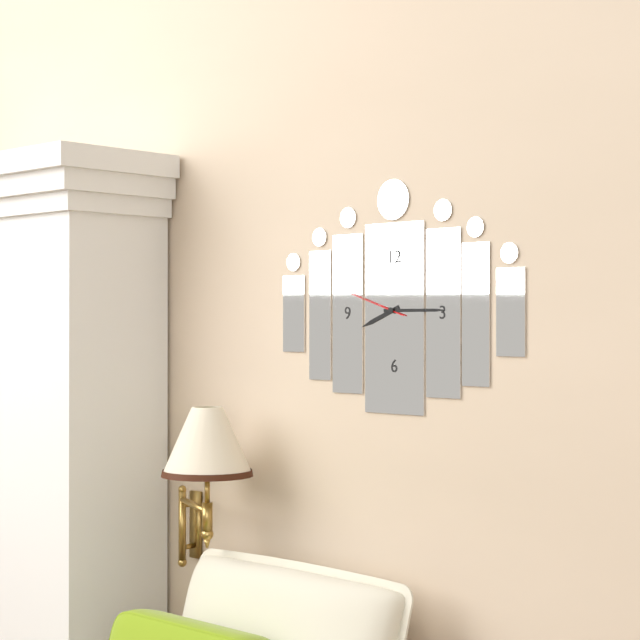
h=8 m=15 s=48
